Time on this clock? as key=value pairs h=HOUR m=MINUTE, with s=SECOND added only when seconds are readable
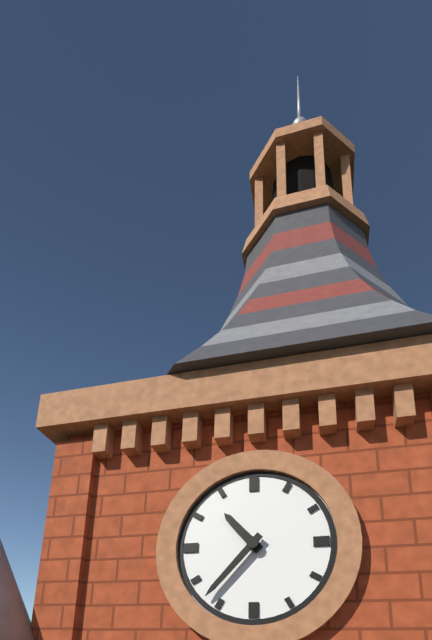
h=10 m=37
